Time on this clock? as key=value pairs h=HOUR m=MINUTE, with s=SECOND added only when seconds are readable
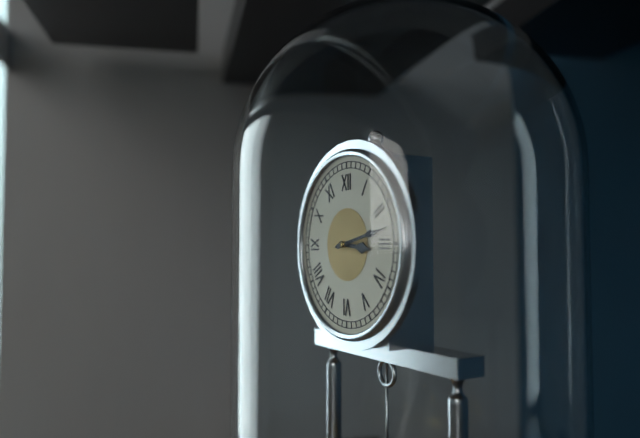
h=3 m=13
